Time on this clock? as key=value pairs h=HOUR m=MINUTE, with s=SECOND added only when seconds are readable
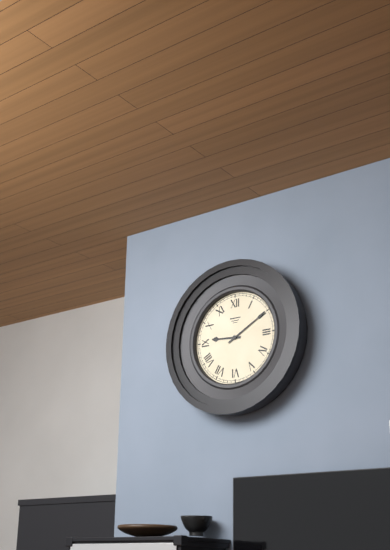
h=9 m=10
